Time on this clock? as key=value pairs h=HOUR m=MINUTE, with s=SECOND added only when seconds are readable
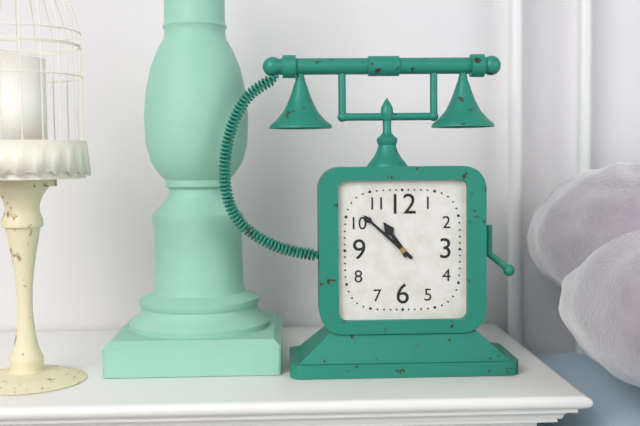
h=10 m=52
